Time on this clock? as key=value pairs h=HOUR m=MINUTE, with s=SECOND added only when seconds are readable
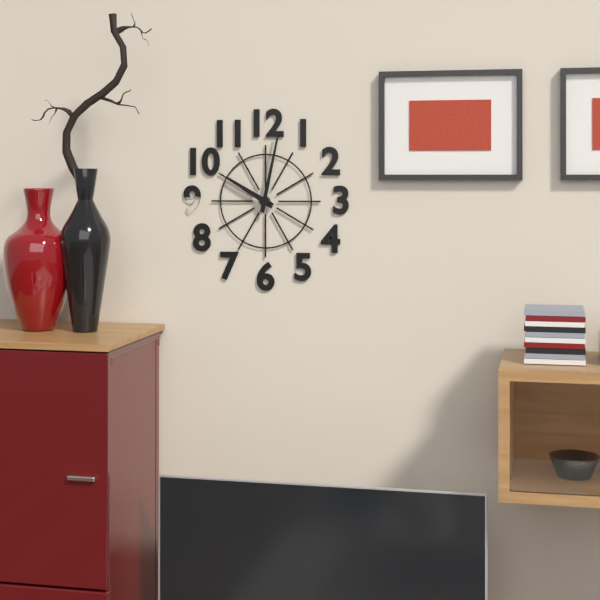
h=10 m=2
